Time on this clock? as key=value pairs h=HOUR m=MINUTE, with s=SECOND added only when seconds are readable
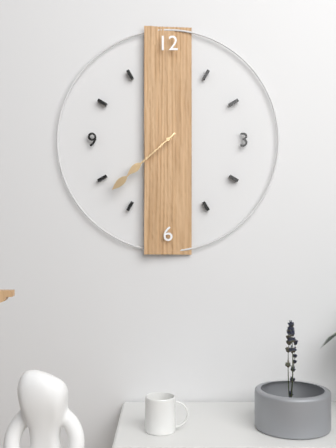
h=7 m=38
